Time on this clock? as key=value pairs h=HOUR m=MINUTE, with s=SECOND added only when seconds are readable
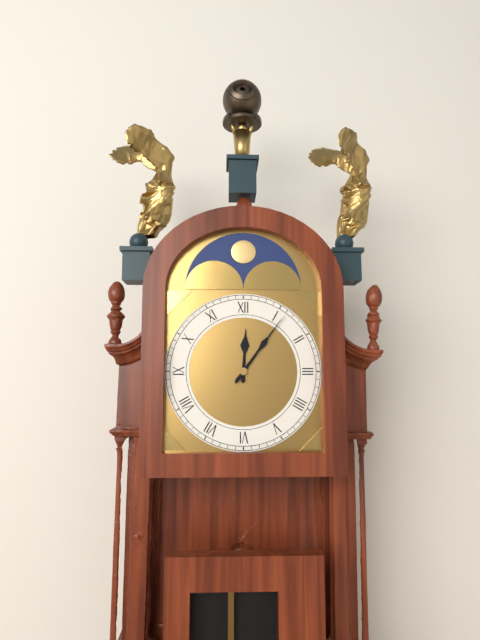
h=12 m=6
